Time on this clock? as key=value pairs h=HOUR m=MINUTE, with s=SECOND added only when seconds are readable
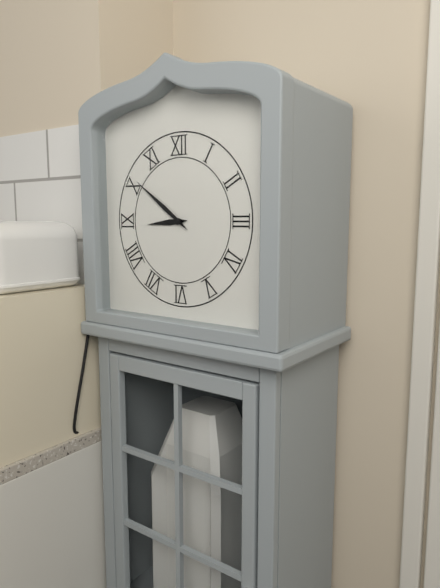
h=8 m=51
